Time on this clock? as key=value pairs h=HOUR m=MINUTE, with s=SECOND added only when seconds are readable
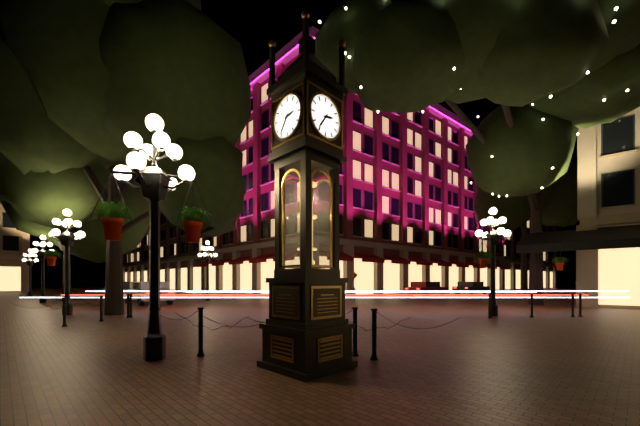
h=2 m=36
